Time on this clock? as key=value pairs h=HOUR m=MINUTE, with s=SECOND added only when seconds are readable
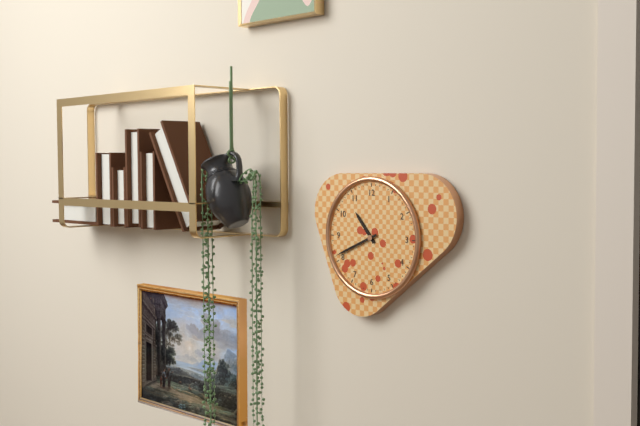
h=10 m=41
